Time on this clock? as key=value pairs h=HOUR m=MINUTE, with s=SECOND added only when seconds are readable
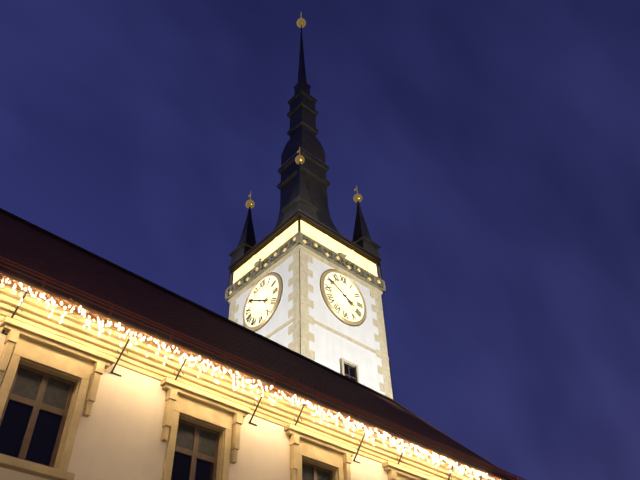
h=3 m=50
